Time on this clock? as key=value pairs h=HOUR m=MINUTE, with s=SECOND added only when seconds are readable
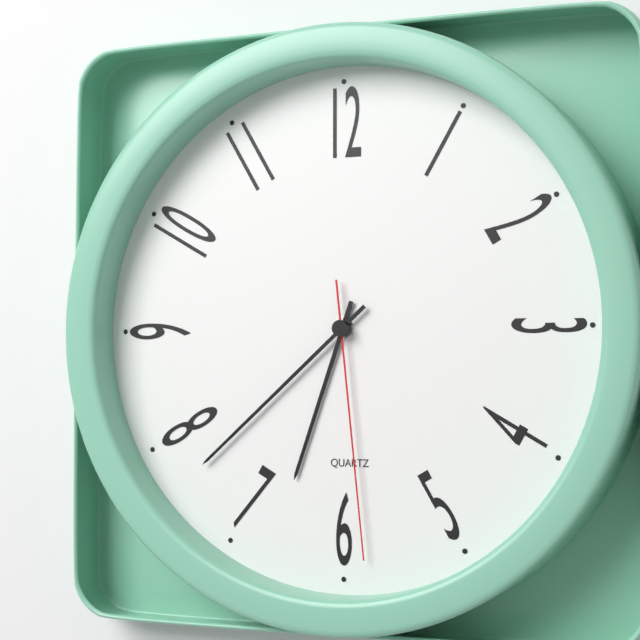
h=6 m=38 s=29
